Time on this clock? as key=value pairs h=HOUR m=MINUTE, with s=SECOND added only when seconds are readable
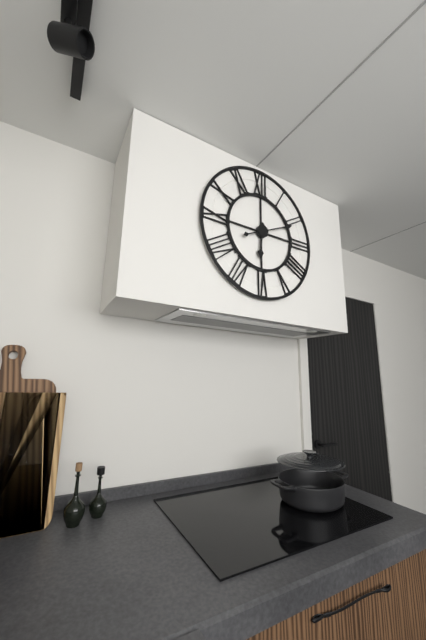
h=6 m=11
